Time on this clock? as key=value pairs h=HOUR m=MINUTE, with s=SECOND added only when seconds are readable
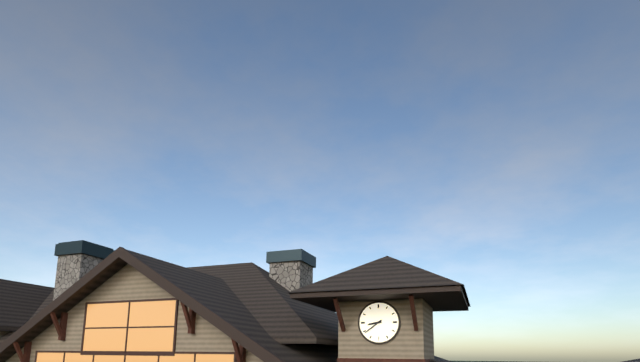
h=8 m=39
